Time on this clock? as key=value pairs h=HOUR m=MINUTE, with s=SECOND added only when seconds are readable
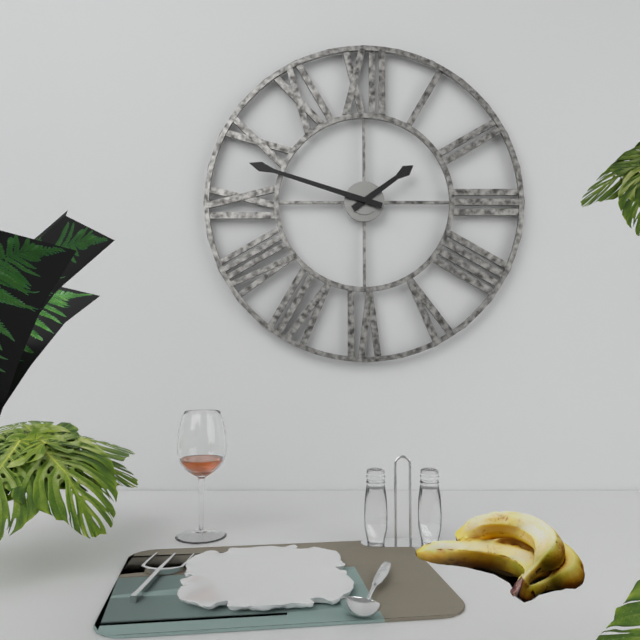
h=1 m=48
